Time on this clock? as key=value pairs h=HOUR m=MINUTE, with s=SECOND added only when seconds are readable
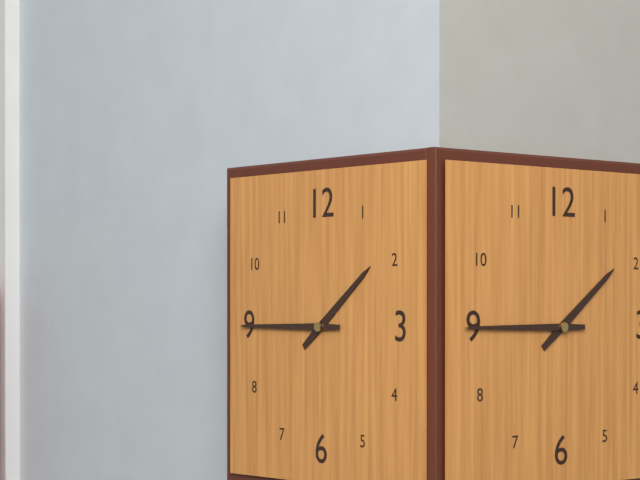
h=1 m=45
